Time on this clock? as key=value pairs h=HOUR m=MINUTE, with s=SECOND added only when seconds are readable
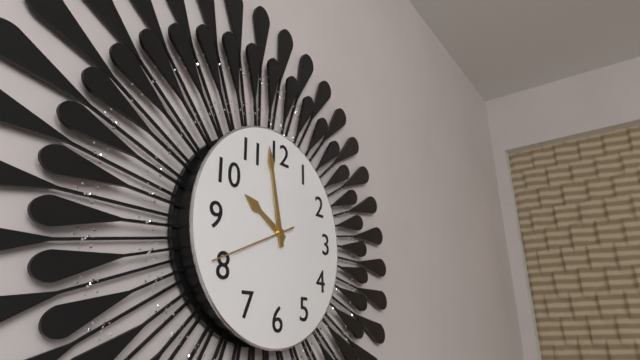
h=9 m=58 s=41
